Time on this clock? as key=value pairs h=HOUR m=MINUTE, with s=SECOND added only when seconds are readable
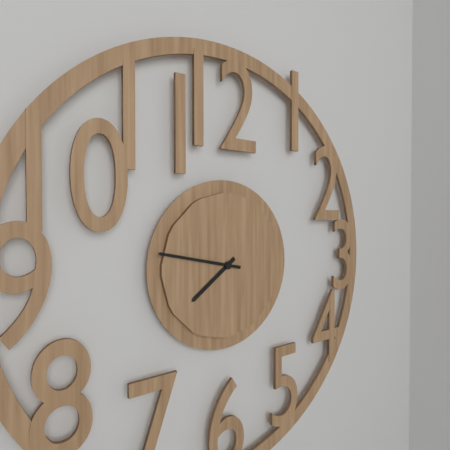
h=7 m=47
